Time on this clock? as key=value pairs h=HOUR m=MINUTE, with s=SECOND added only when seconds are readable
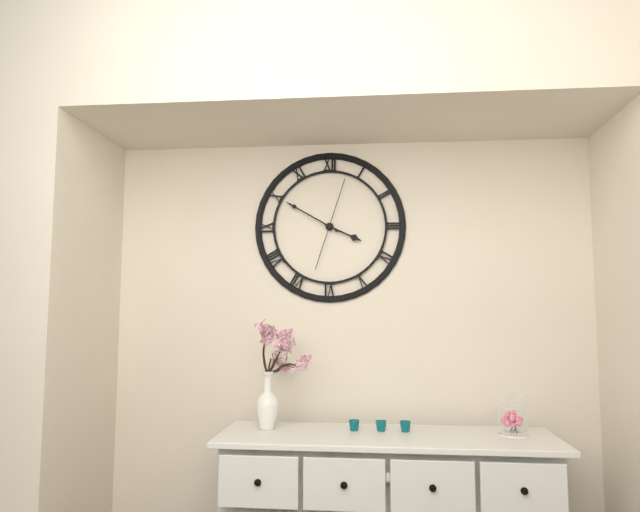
h=3 m=50 s=3
